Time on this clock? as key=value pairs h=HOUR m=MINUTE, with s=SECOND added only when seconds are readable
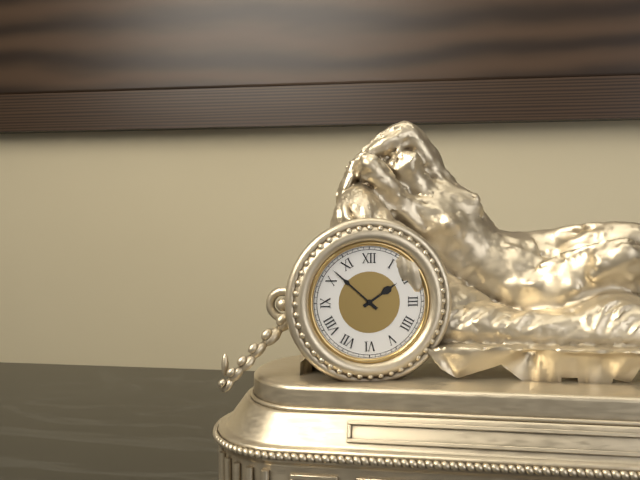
h=1 m=52
